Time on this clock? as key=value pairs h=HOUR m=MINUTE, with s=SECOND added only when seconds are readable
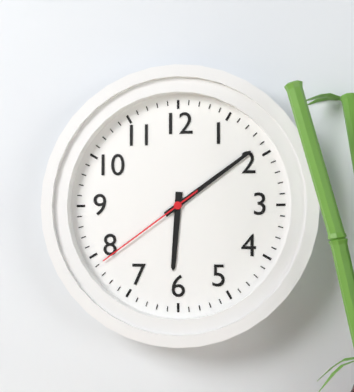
h=6 m=9 s=39
